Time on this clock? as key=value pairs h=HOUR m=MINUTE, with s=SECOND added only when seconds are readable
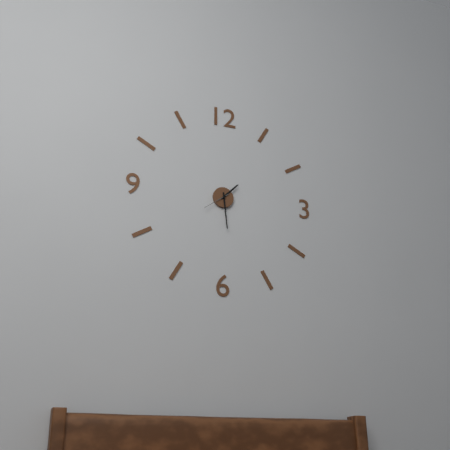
h=1 m=29
